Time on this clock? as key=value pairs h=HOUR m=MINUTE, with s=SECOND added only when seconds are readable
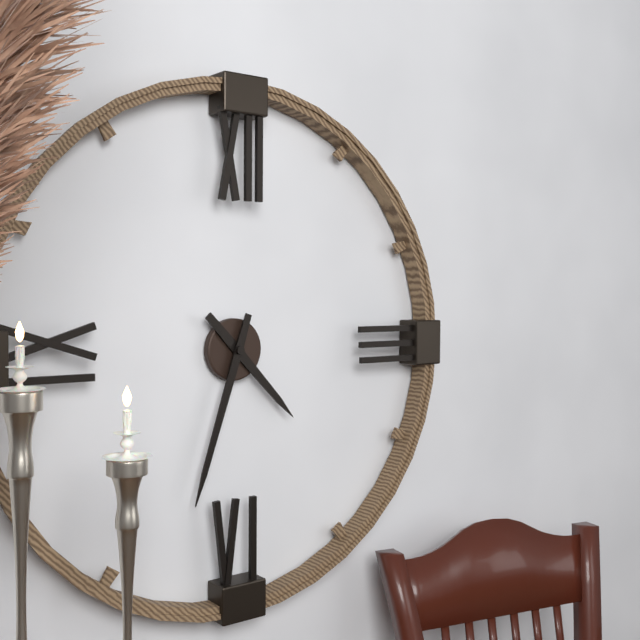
h=4 m=33
